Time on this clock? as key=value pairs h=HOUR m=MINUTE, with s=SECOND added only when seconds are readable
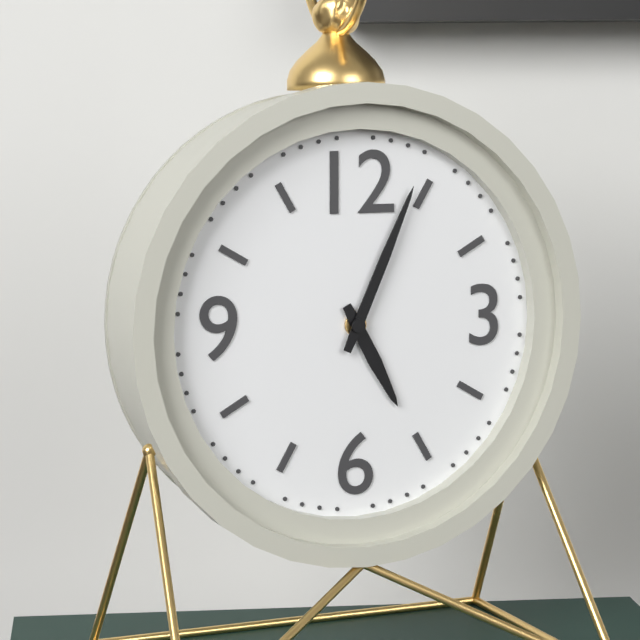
h=5 m=4
